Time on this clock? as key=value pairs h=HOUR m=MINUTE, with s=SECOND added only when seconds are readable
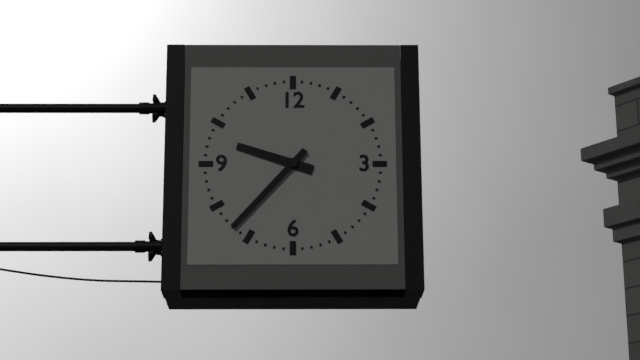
h=9 m=37
